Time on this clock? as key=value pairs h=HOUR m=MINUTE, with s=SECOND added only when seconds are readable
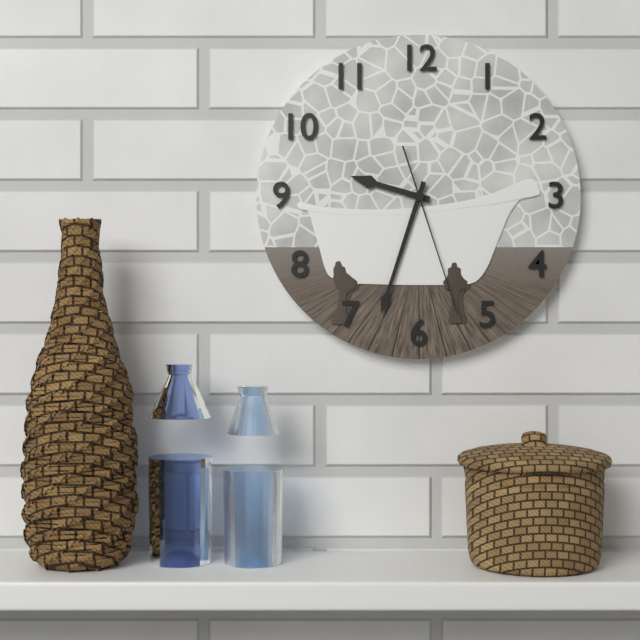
h=9 m=33 s=27
